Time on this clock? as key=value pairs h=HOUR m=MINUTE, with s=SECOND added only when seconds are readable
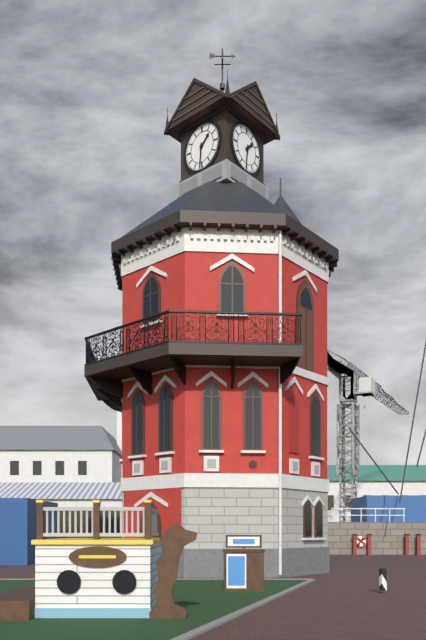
h=1 m=31
